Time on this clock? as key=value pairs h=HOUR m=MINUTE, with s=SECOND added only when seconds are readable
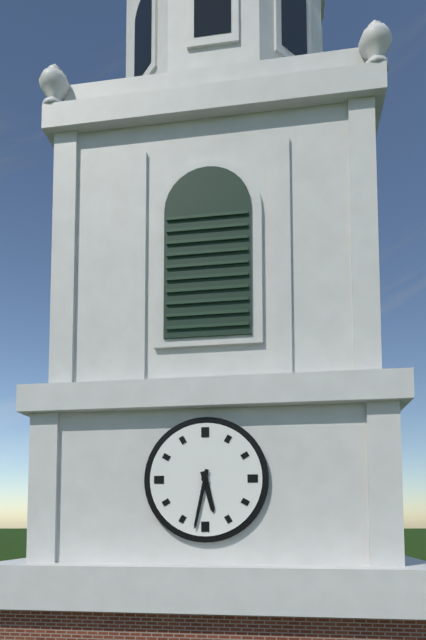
h=5 m=32
